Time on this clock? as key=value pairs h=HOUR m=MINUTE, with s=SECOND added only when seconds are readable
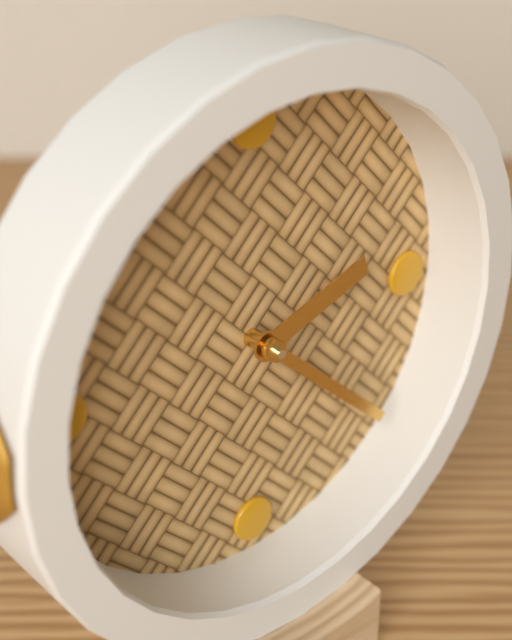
h=2 m=22
